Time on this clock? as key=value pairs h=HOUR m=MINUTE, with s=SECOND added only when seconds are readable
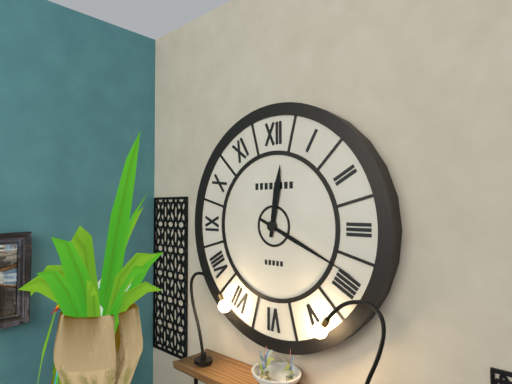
h=12 m=19
